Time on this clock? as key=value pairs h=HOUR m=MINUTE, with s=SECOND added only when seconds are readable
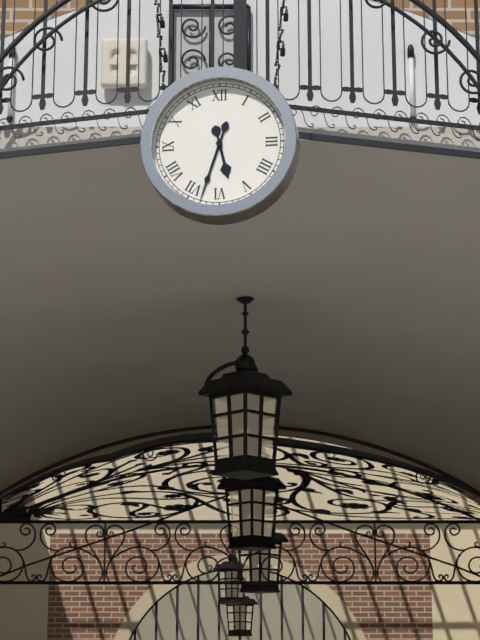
h=5 m=33
